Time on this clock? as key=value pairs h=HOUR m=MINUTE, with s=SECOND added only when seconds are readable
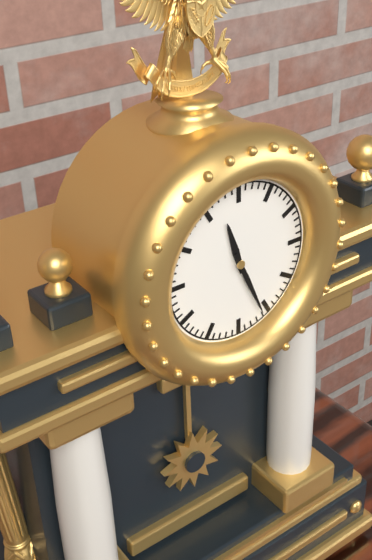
h=11 m=26
